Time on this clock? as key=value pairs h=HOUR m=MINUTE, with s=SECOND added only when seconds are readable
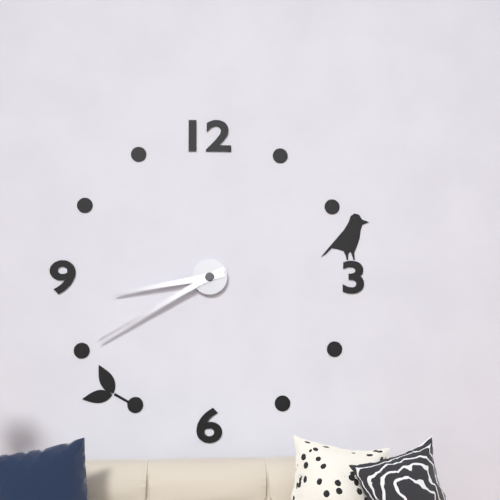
h=8 m=40
